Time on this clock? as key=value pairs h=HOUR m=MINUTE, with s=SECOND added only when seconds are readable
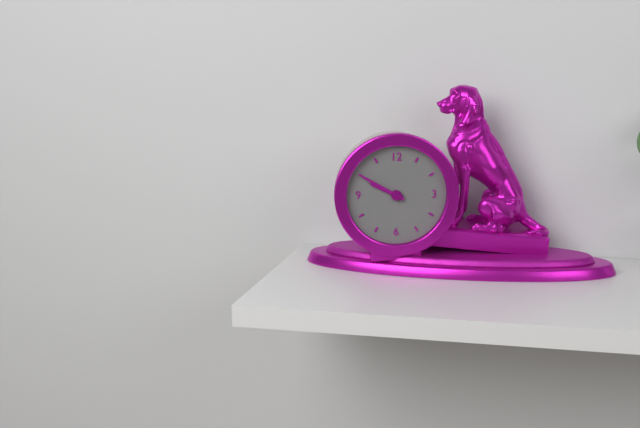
h=9 m=50
